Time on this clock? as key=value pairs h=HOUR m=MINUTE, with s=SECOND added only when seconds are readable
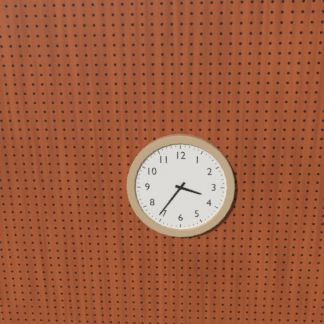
h=3 m=36
